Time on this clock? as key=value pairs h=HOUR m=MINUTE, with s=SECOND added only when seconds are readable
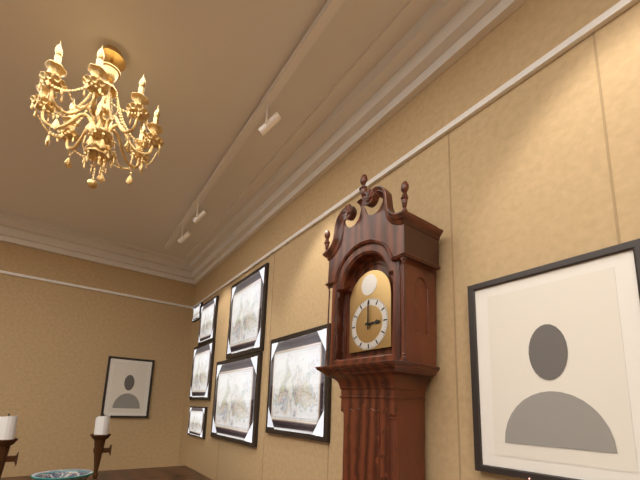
h=3 m=0
